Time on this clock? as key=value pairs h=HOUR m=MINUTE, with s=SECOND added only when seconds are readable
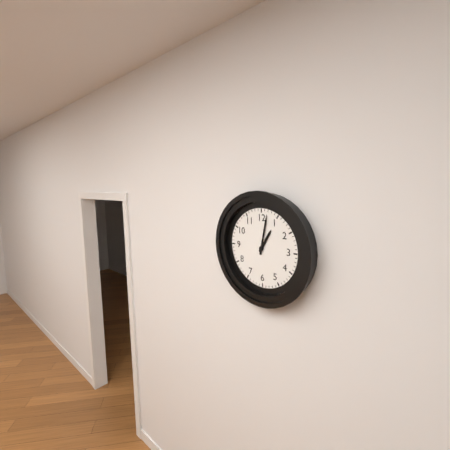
h=1 m=2
